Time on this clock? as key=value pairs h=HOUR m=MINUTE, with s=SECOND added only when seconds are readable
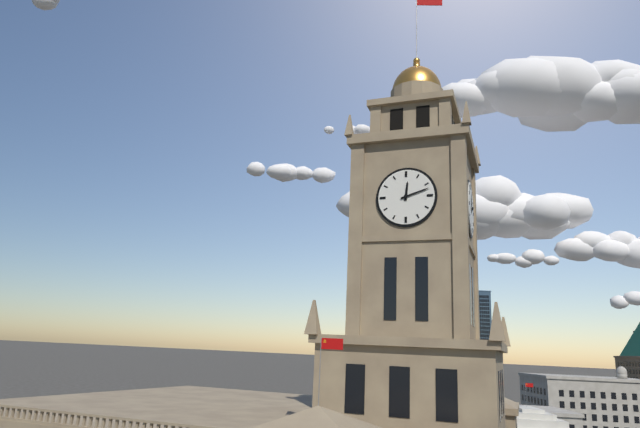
h=12 m=12
